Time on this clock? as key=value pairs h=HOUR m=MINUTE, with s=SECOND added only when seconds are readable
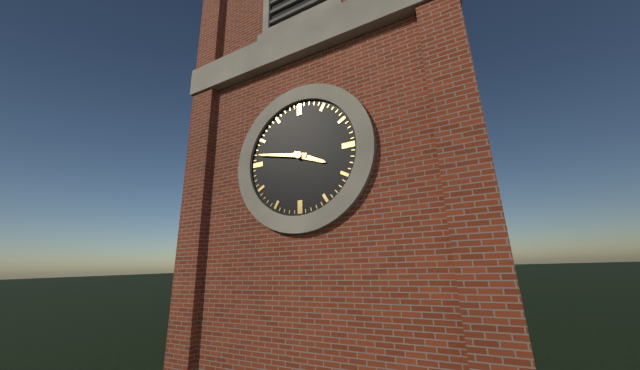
h=3 m=47
